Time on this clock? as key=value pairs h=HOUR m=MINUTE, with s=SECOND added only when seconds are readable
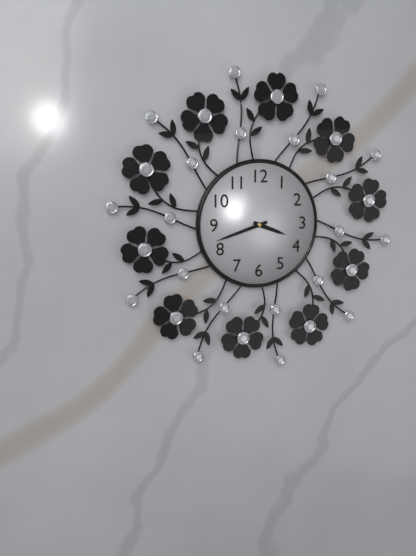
h=3 m=42
